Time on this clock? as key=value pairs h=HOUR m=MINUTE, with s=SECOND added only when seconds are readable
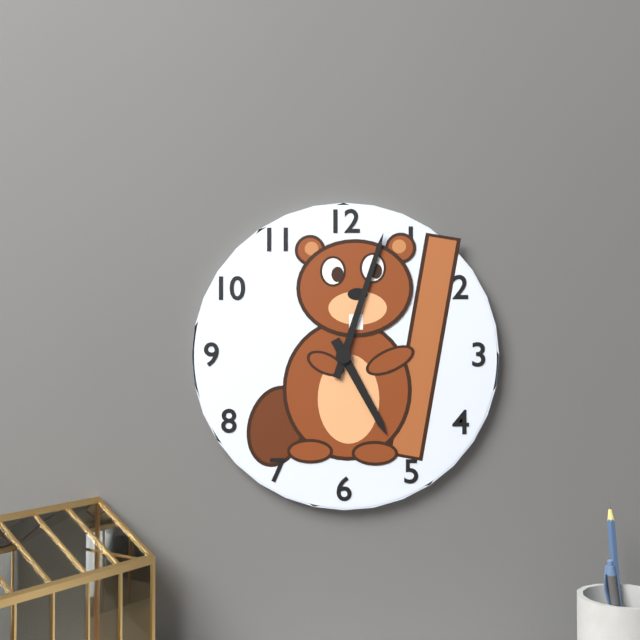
h=5 m=3
